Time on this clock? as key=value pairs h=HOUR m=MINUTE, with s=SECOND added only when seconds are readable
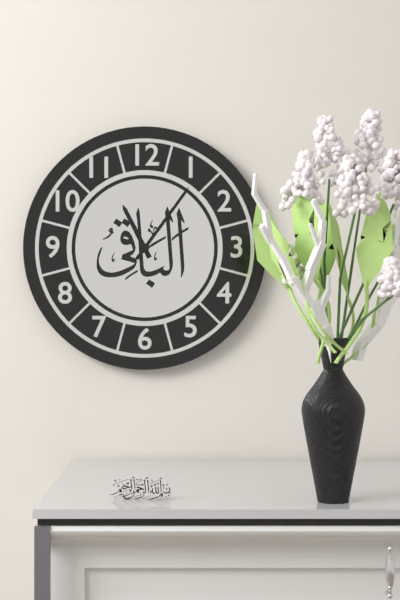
h=11 m=6
